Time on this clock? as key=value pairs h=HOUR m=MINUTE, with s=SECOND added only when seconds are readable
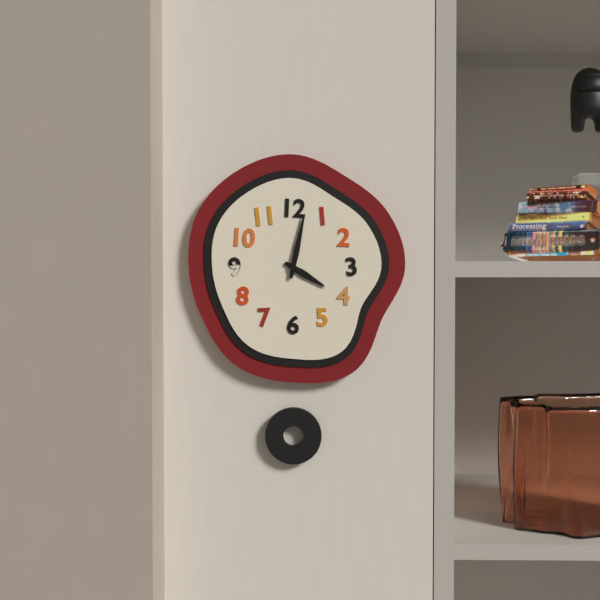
h=4 m=2
